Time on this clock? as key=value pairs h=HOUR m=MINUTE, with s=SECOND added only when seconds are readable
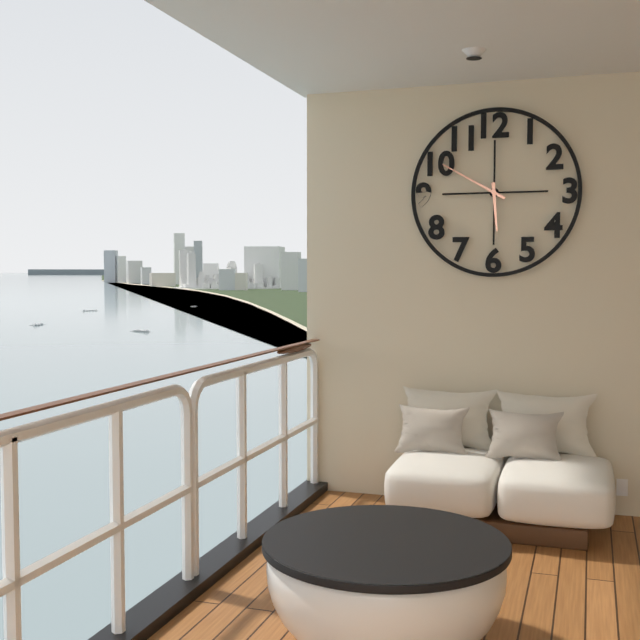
h=5 m=50
